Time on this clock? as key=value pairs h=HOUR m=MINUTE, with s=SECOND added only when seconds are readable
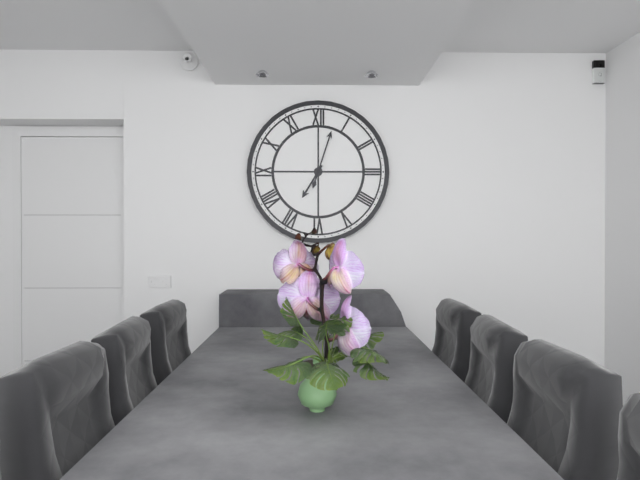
h=7 m=3
